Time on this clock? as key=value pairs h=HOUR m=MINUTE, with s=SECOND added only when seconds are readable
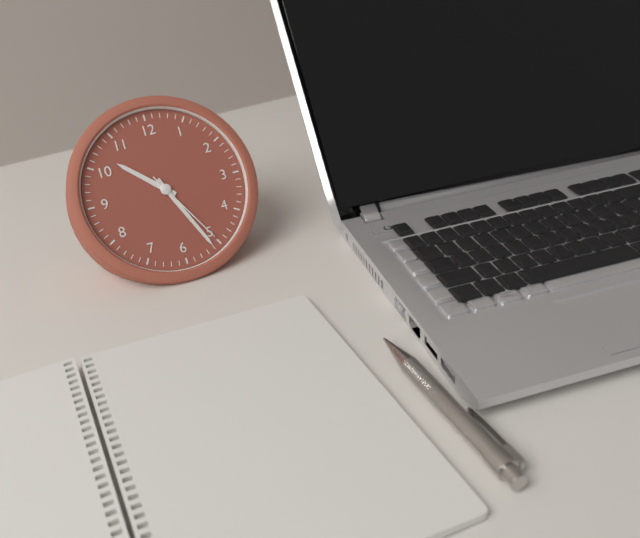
h=10 m=26 s=25
